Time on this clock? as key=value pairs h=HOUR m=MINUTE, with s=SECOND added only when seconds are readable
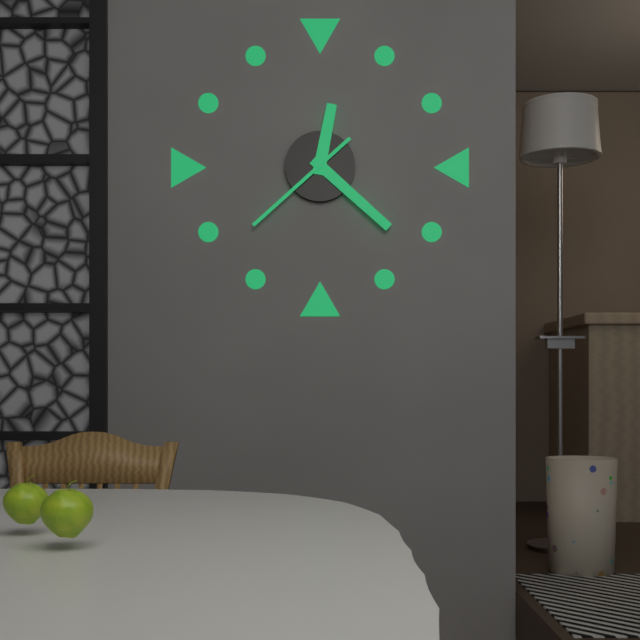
h=12 m=22 s=38
